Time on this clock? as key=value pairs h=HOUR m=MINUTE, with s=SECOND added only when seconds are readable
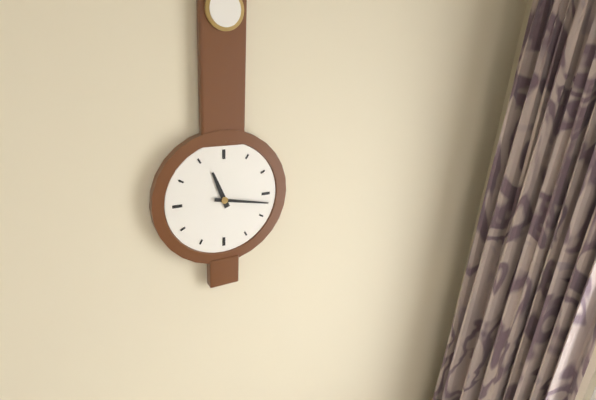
h=11 m=17
